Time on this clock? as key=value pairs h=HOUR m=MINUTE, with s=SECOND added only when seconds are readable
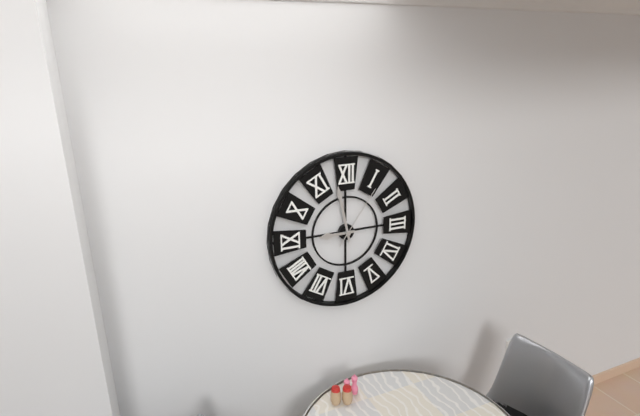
h=8 m=58 s=6
